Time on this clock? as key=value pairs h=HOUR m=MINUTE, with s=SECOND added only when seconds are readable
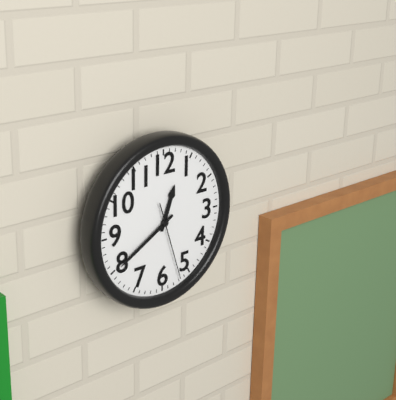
h=12 m=40 s=27
